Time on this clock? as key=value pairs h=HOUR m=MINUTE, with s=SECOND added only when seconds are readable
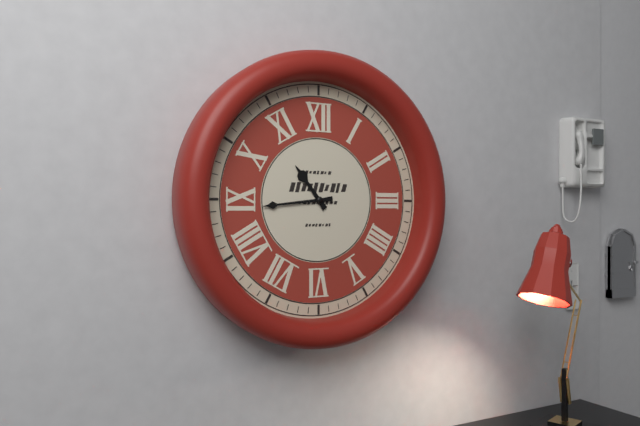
h=10 m=44
